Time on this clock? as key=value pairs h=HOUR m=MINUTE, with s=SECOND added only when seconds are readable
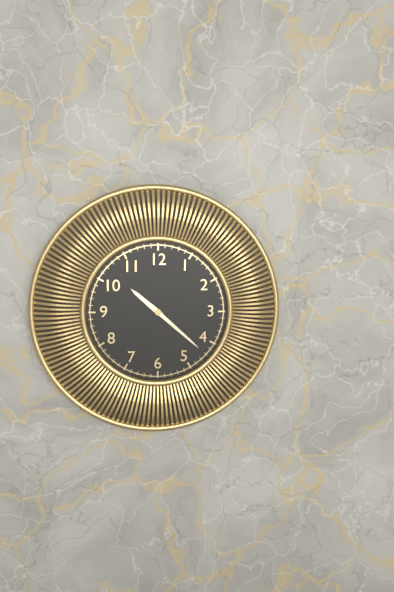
h=10 m=22
